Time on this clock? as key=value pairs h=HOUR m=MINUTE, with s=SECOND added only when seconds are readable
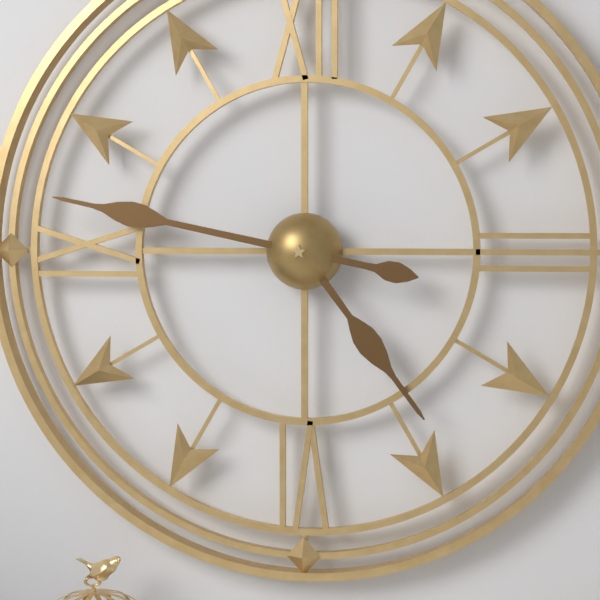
h=4 m=47
